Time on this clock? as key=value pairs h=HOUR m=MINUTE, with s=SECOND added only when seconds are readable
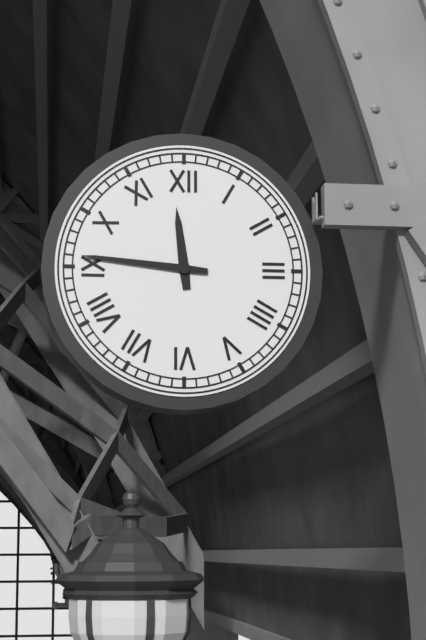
h=11 m=46
